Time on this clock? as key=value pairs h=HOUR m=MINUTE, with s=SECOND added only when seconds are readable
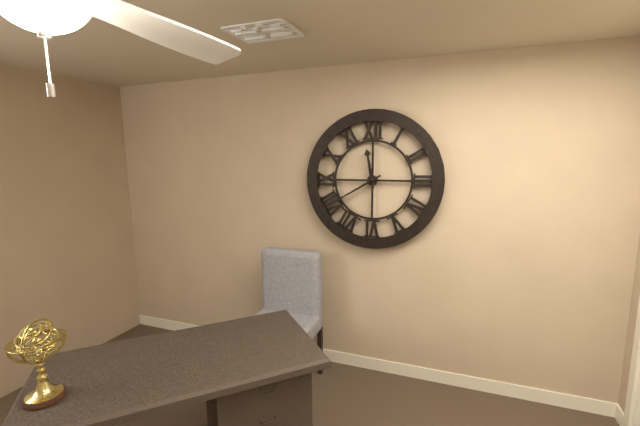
h=11 m=40
